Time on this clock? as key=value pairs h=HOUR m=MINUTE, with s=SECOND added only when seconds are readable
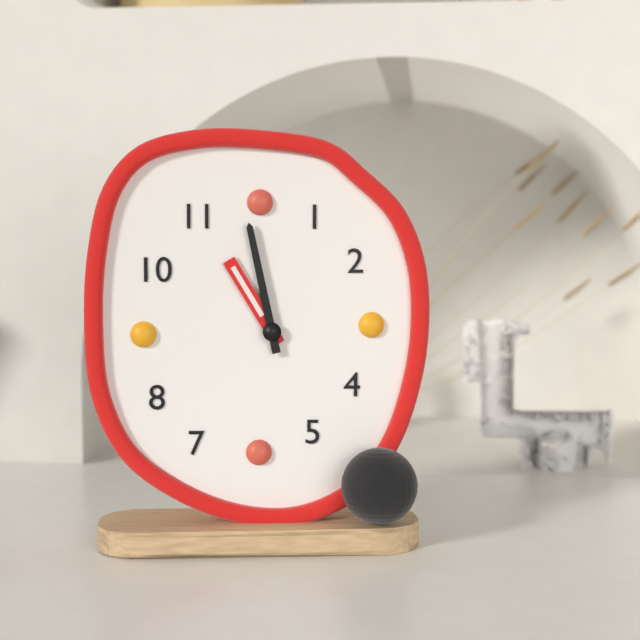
h=10 m=58
